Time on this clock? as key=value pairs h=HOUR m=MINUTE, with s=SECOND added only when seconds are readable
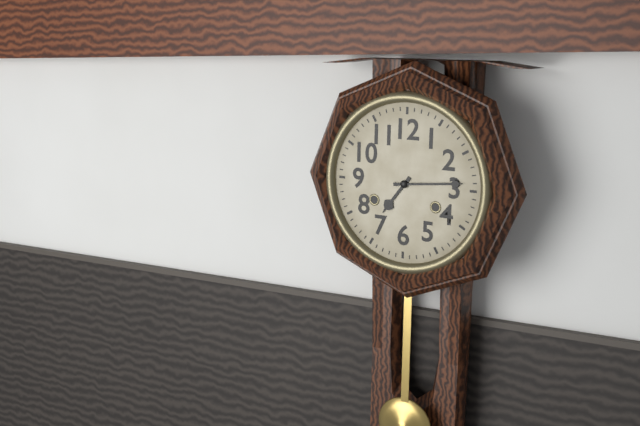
h=7 m=14
